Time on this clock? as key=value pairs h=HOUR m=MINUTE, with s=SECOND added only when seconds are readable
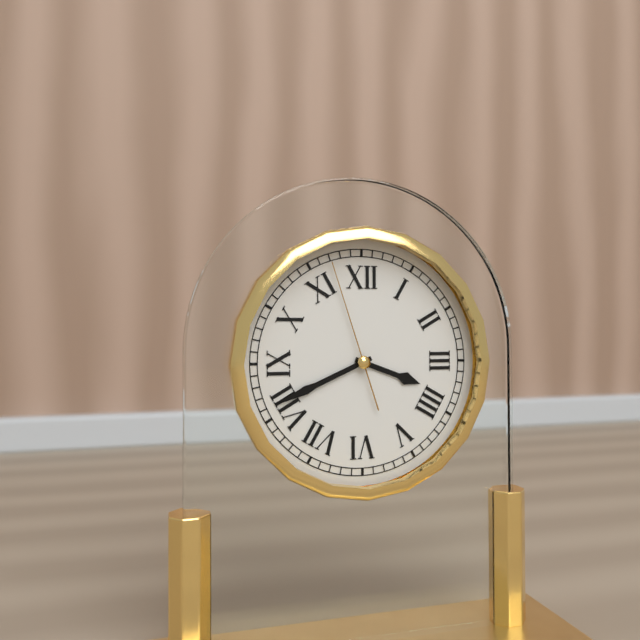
h=3 m=41 s=57
